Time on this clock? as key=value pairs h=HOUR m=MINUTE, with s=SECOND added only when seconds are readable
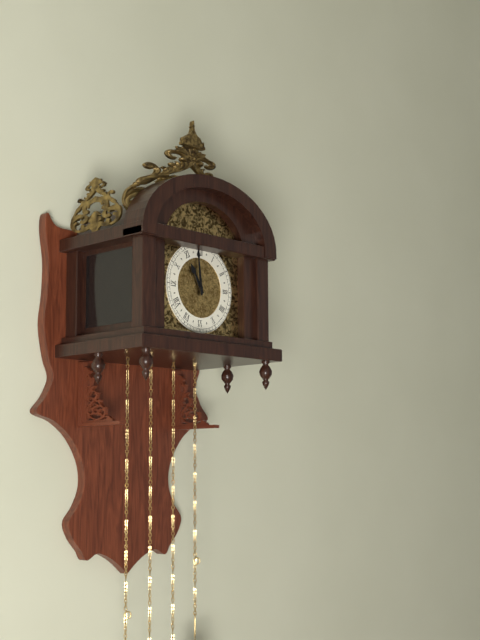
h=10 m=59
